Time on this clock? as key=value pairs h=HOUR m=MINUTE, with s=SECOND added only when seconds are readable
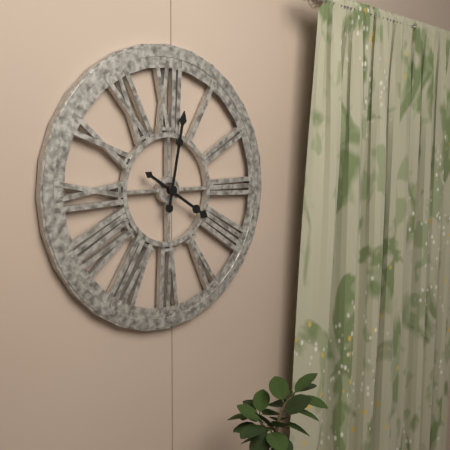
h=4 m=2
